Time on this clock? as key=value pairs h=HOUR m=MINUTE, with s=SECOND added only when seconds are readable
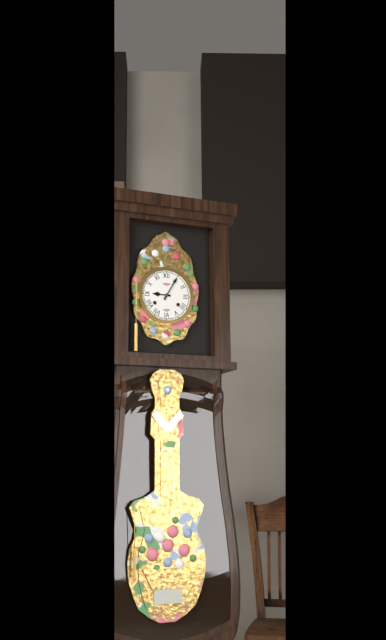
h=9 m=5
